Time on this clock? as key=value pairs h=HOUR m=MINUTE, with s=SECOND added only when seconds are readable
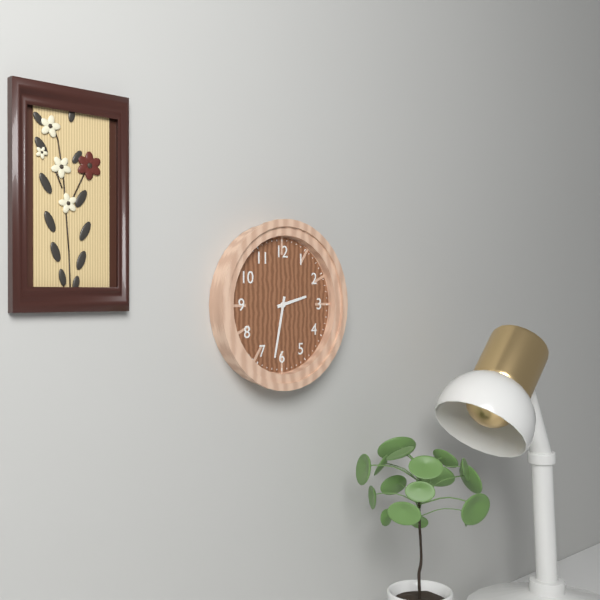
h=2 m=32
